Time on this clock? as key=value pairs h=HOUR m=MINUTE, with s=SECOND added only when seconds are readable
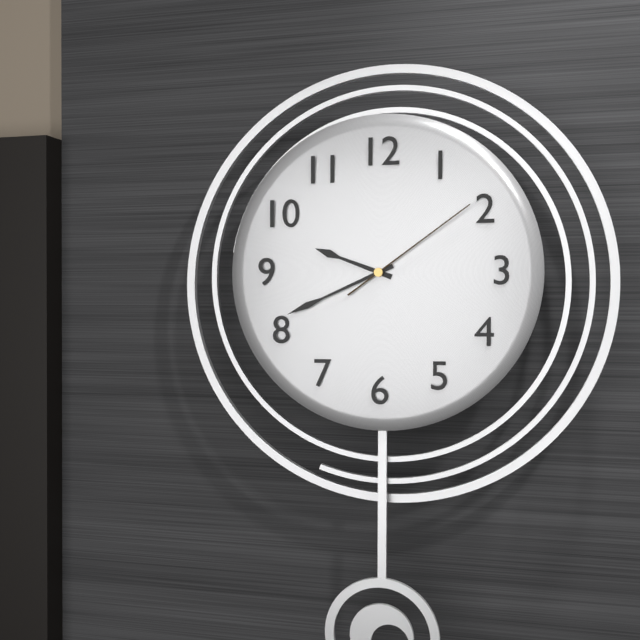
h=9 m=41 s=9
